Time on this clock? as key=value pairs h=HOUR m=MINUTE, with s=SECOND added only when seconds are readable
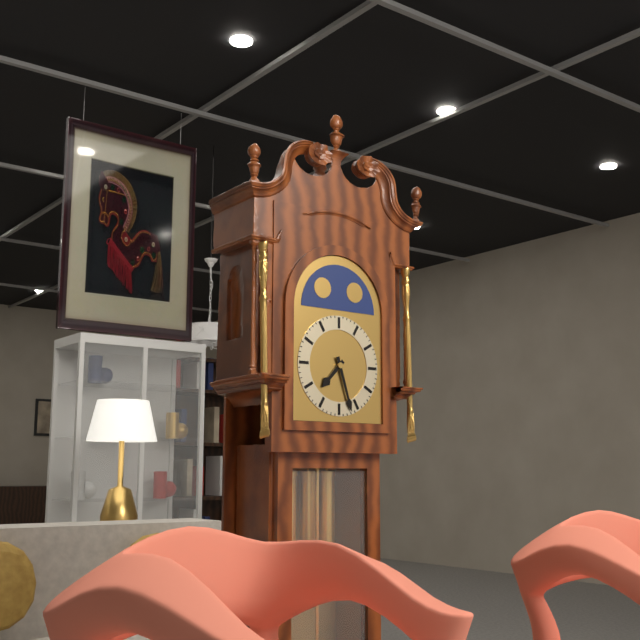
h=7 m=27
